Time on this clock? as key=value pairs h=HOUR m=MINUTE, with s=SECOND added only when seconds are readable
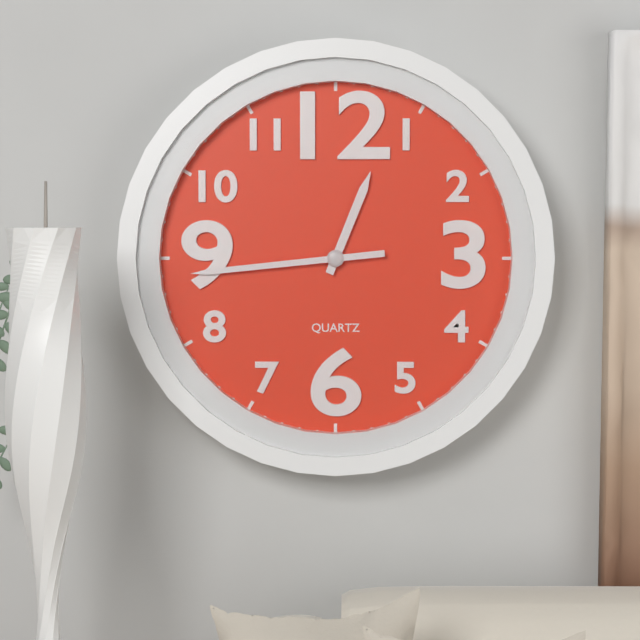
h=12 m=44
